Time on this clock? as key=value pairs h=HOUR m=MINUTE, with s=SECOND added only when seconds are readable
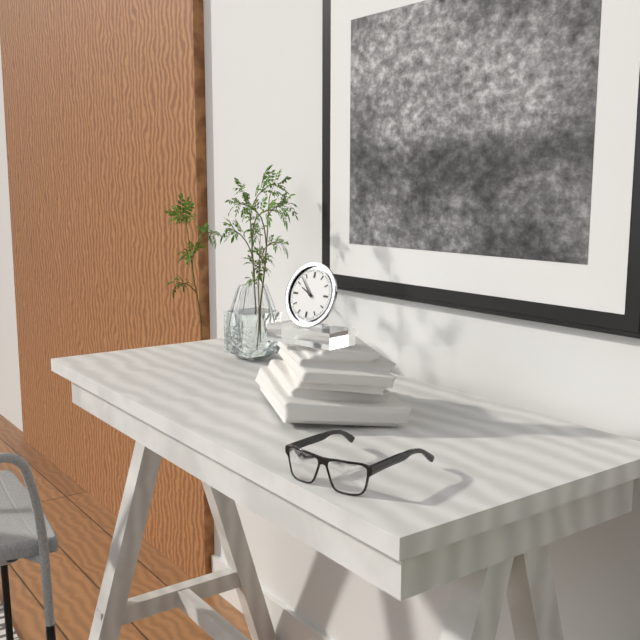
h=9 m=53
